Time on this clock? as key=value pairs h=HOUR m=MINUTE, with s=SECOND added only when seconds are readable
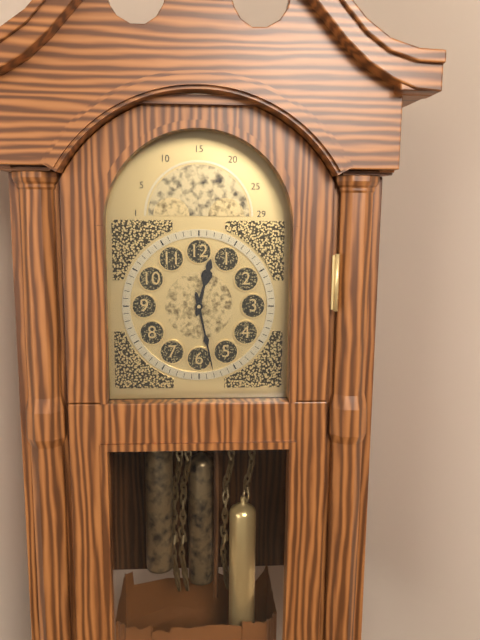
h=12 m=28
